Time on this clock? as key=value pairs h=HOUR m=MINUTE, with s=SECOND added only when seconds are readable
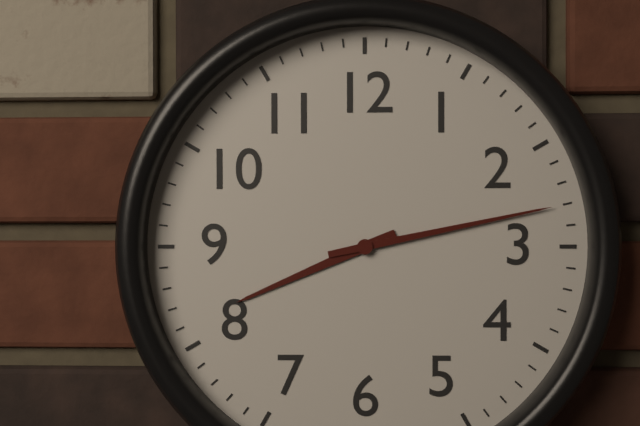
h=8 m=13
